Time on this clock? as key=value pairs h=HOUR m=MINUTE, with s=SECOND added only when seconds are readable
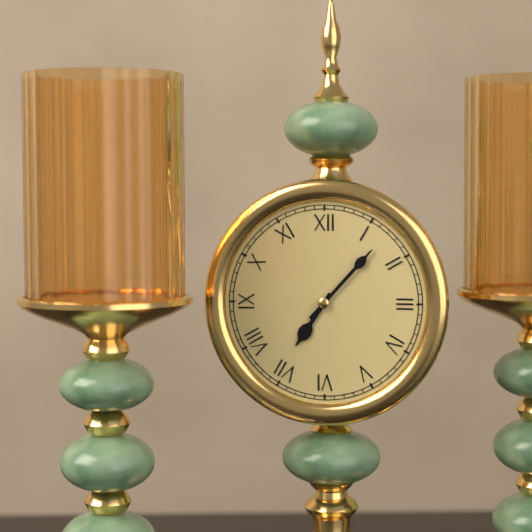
h=7 m=7
